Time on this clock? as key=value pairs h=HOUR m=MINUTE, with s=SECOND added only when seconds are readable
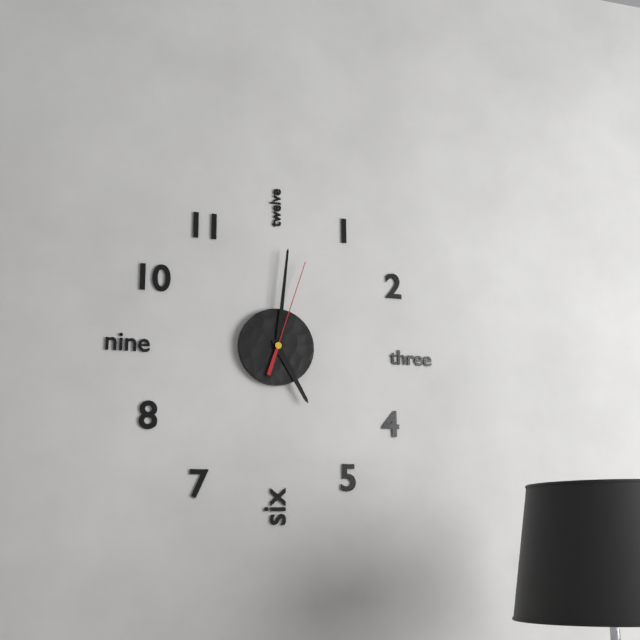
h=5 m=1 s=3
